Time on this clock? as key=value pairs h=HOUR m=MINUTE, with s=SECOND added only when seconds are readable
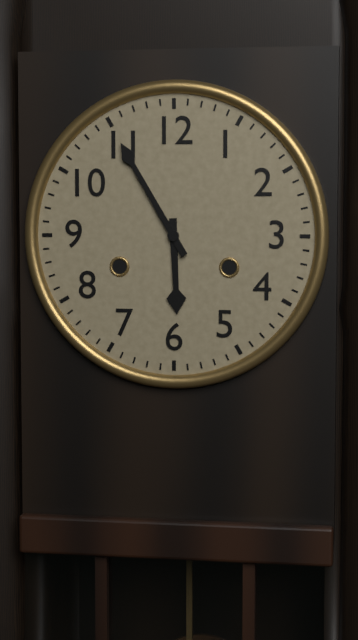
h=5 m=55
